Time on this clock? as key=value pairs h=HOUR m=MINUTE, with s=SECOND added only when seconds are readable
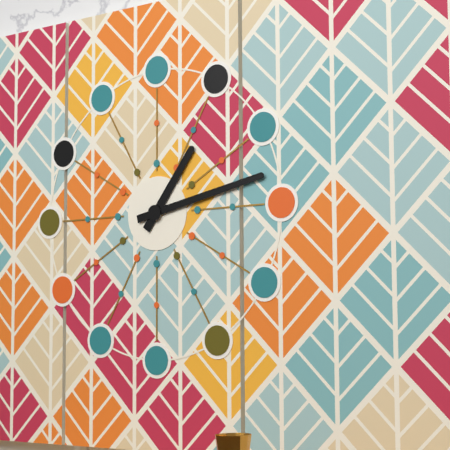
h=1 m=13
